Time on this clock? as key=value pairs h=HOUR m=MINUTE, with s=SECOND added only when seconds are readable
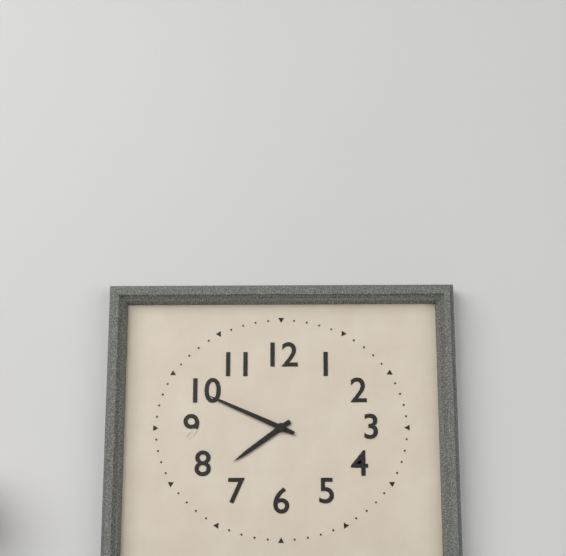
h=7 m=49
